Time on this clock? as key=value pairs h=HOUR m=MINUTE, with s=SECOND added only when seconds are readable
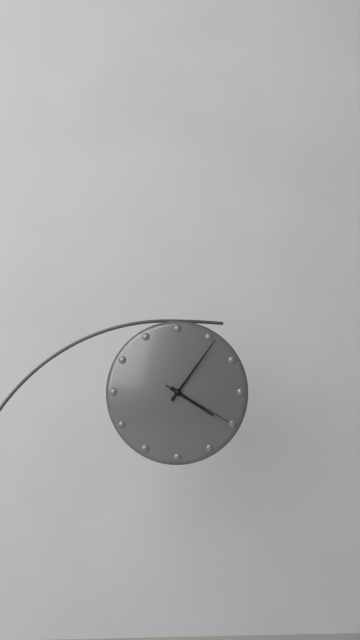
h=4 m=6 s=20
